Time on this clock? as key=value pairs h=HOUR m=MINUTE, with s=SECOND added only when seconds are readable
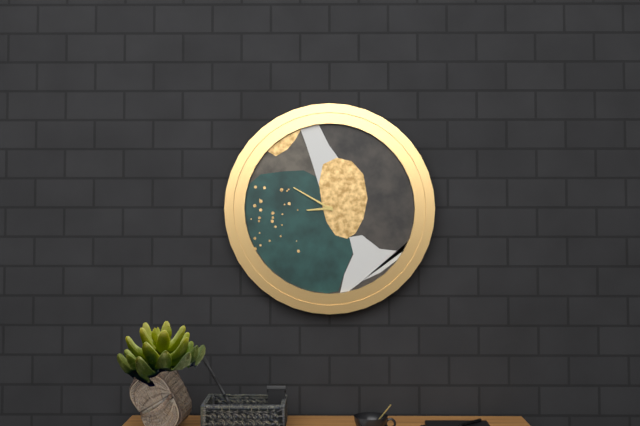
h=8 m=50
